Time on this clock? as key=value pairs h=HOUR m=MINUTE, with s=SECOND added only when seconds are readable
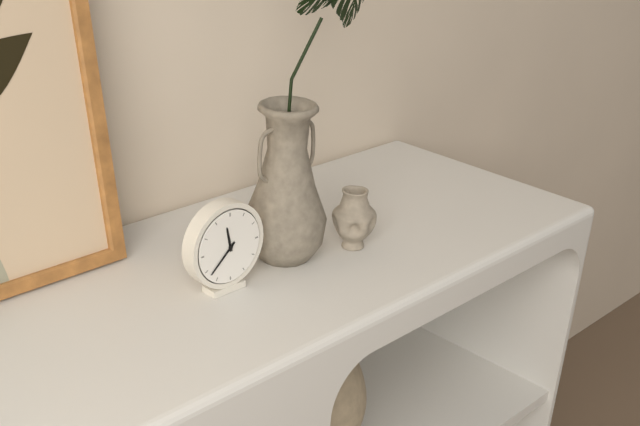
h=11 m=38
